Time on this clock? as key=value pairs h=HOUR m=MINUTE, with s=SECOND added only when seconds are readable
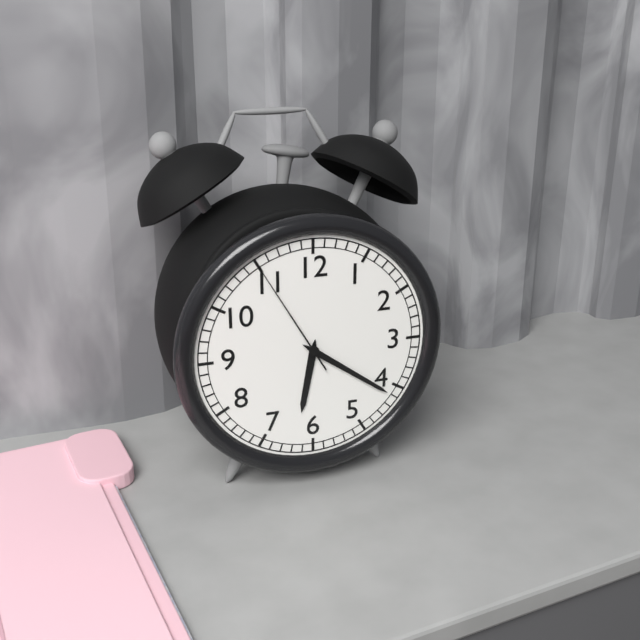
h=6 m=21 s=55
